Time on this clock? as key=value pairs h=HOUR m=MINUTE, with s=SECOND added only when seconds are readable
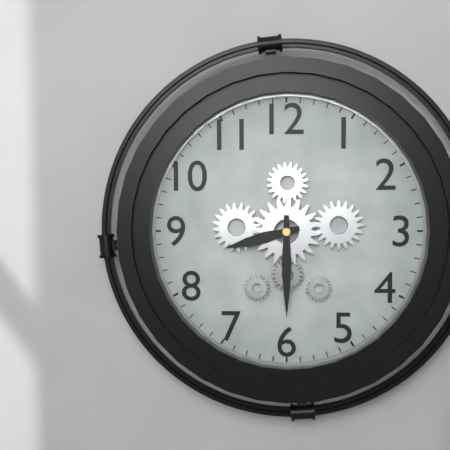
h=8 m=30
